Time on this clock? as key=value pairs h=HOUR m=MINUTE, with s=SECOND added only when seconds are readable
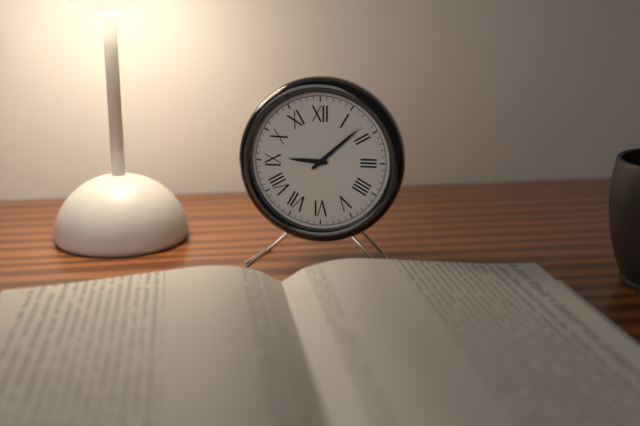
h=9 m=8
